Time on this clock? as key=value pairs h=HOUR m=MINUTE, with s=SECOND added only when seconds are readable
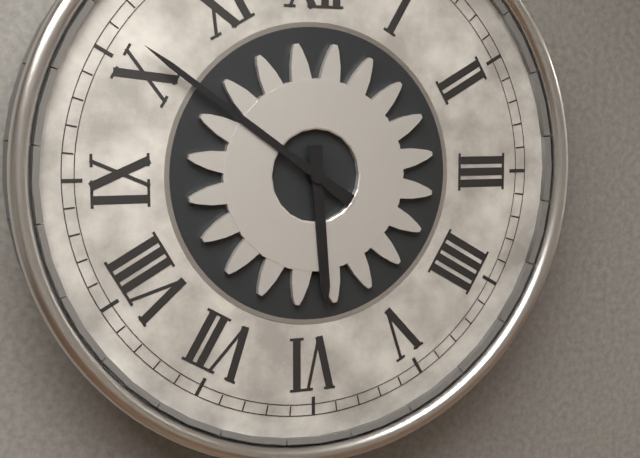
h=5 m=51
